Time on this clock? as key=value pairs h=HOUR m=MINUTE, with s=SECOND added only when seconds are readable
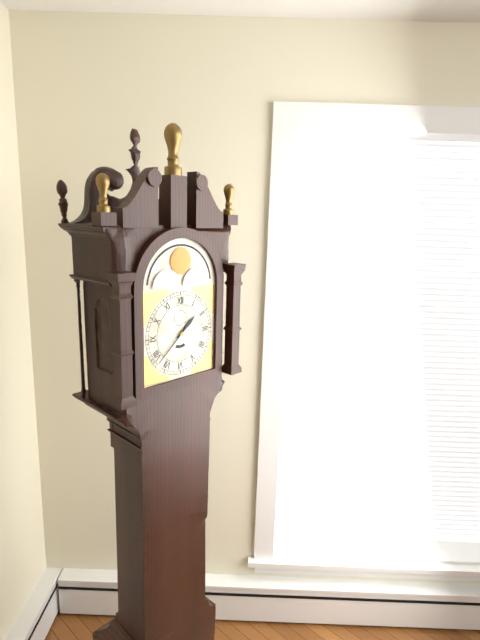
h=1 m=38
